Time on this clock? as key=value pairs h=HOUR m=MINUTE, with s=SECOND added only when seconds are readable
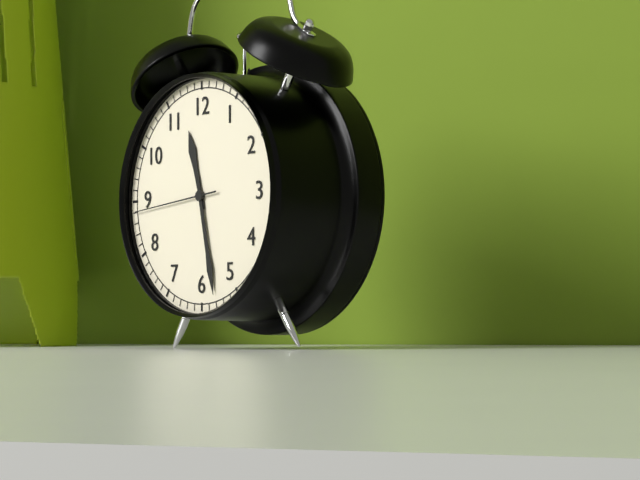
h=11 m=28 s=44
